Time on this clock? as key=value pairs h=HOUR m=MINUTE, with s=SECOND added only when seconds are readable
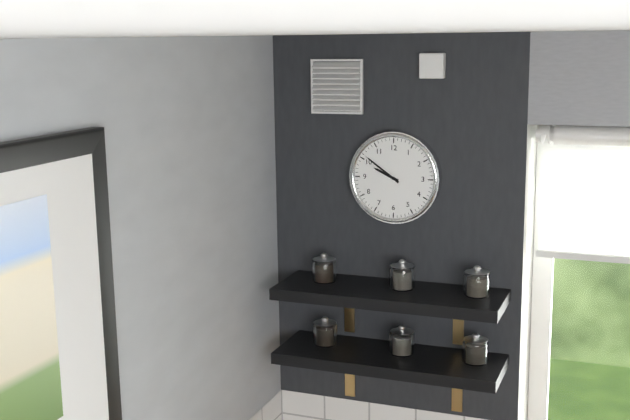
h=9 m=51
